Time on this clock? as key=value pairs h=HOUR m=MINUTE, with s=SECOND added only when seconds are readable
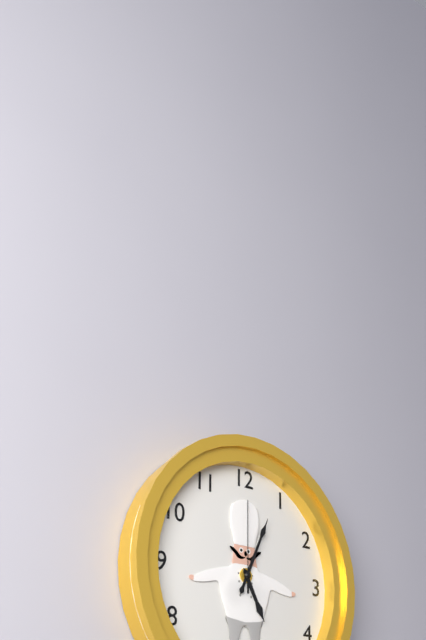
h=5 m=4 s=0
